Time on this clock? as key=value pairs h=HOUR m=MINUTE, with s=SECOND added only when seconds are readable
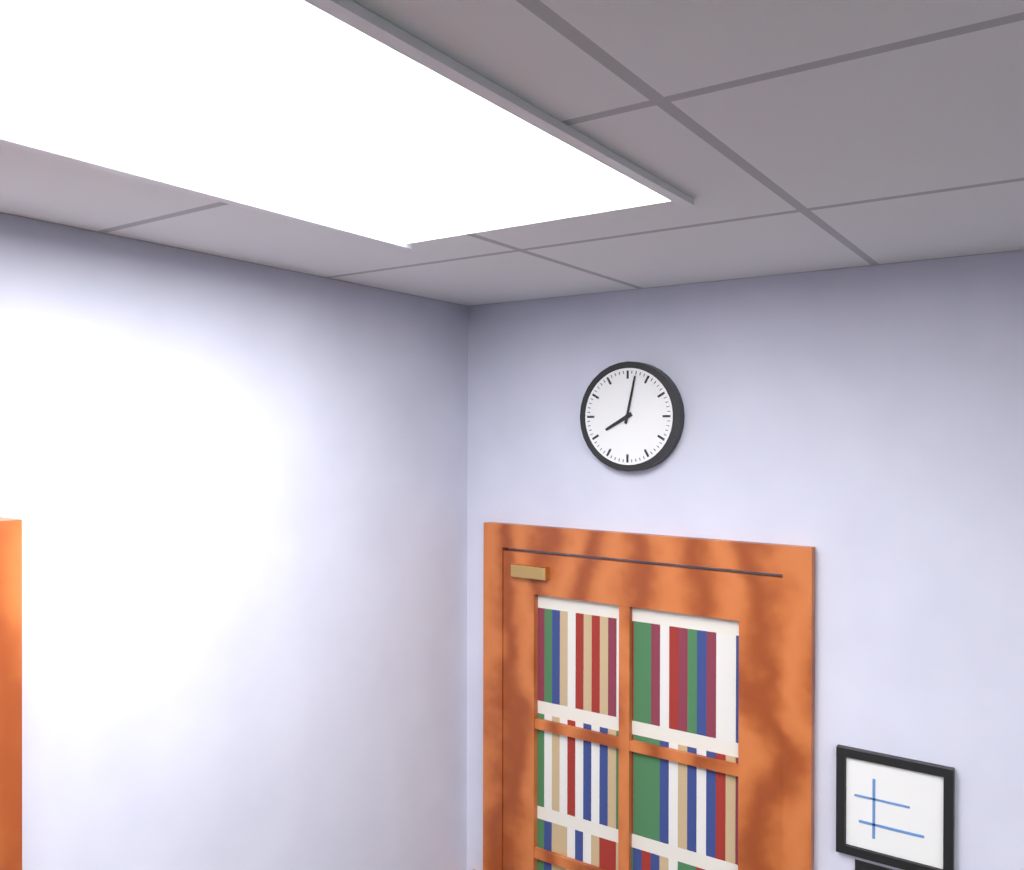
h=8 m=2
